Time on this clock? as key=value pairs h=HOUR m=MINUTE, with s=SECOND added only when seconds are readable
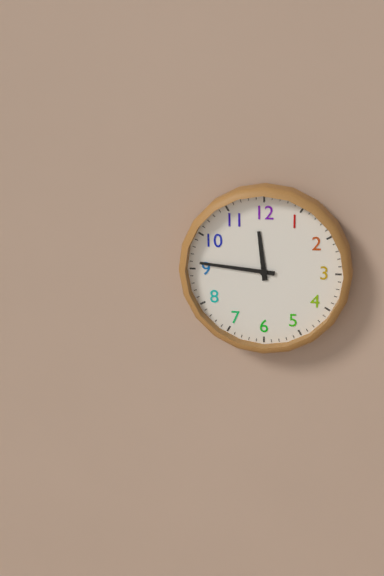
h=11 m=46
